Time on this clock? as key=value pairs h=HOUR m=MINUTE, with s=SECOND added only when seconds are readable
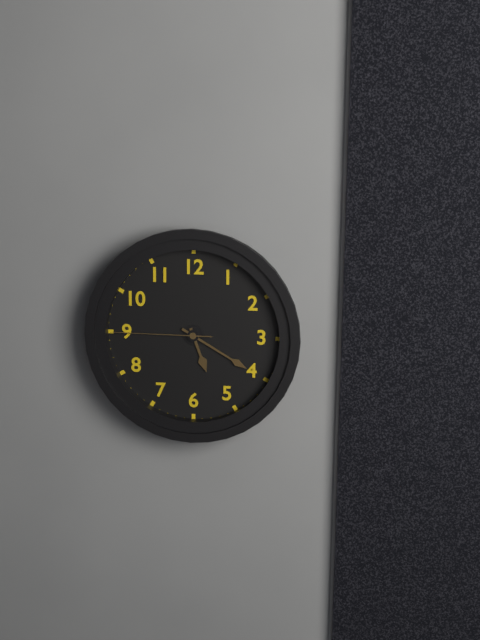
h=5 m=20 s=45
